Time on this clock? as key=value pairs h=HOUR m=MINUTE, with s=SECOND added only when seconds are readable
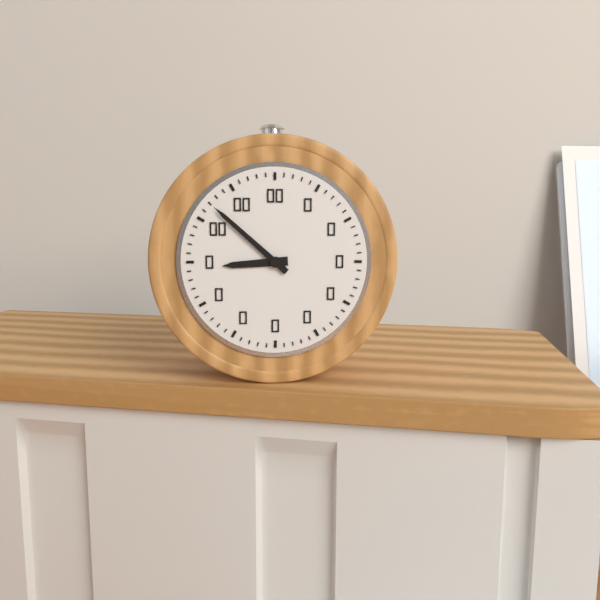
h=8 m=52
